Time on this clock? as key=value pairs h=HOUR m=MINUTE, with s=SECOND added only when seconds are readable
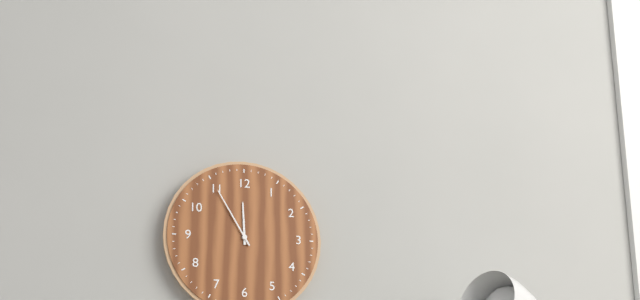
h=11 m=55
